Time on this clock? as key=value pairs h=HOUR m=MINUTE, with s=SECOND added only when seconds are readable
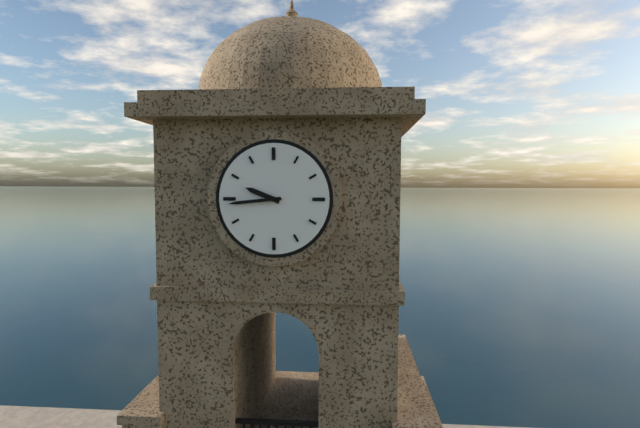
h=9 m=44
